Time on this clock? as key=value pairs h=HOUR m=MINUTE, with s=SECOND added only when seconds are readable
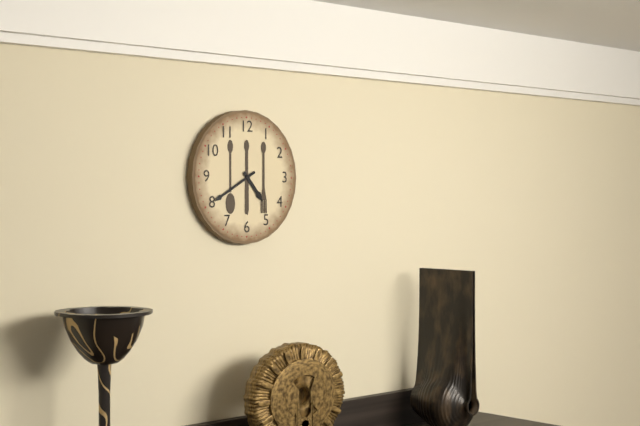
h=4 m=40
